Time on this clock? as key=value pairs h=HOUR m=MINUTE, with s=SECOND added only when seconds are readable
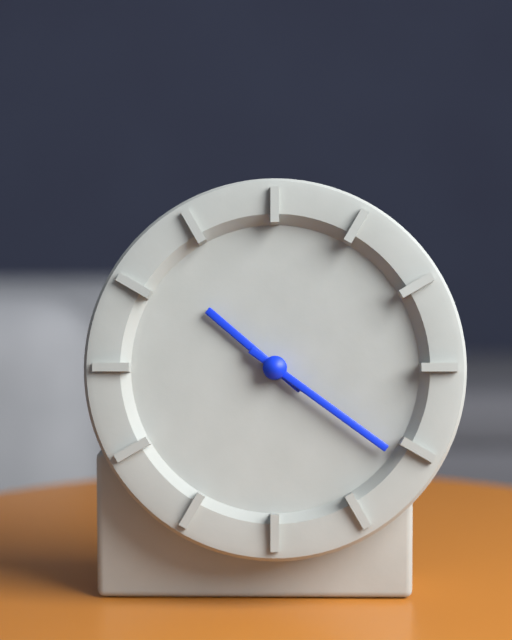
h=10 m=21
